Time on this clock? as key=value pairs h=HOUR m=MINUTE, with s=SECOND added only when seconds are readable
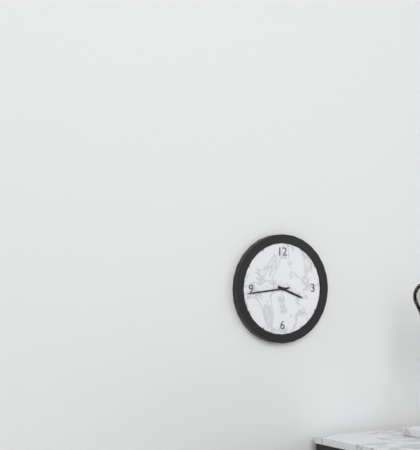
h=3 m=44
